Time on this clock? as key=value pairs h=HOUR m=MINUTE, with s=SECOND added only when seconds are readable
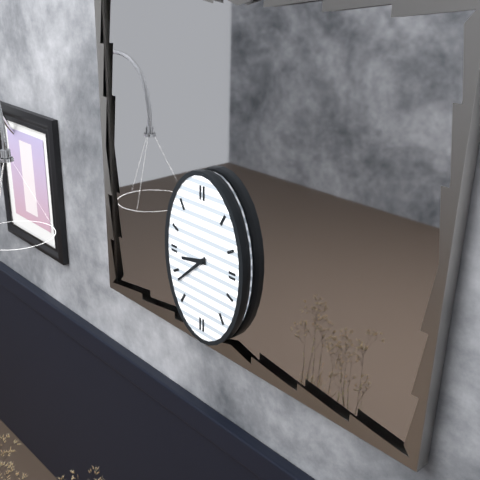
h=8 m=38
